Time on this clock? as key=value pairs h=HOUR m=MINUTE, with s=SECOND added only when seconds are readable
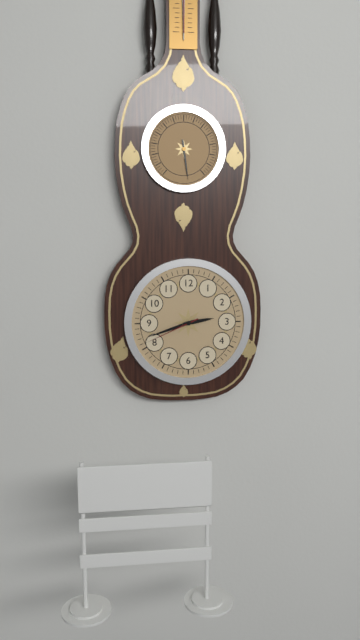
h=2 m=42 s=41
